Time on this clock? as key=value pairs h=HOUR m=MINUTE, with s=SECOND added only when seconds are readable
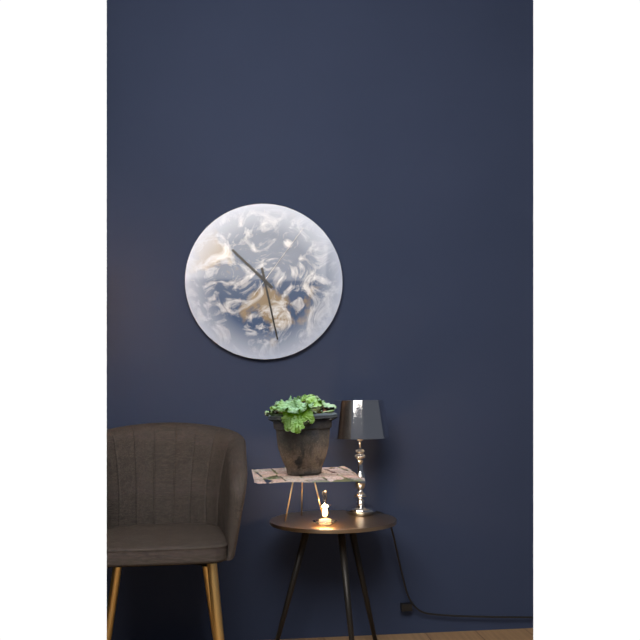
h=10 m=28 s=6
